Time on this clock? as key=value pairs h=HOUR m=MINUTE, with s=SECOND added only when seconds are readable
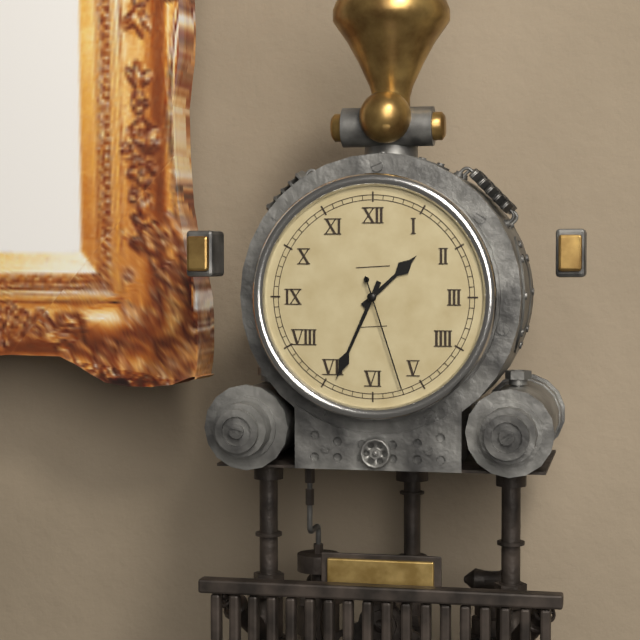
h=1 m=34 s=27
